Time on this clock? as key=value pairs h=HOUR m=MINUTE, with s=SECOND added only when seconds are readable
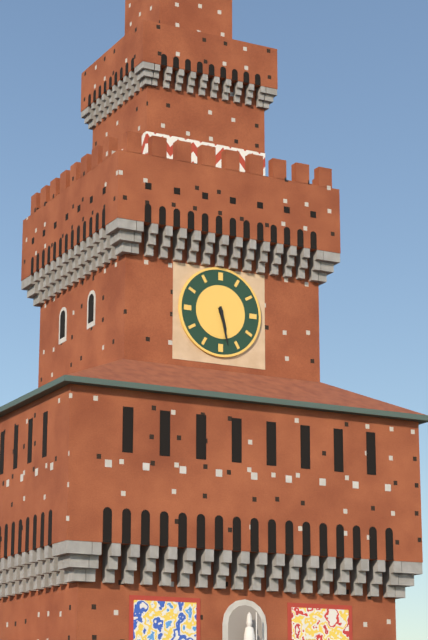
h=5 m=28
